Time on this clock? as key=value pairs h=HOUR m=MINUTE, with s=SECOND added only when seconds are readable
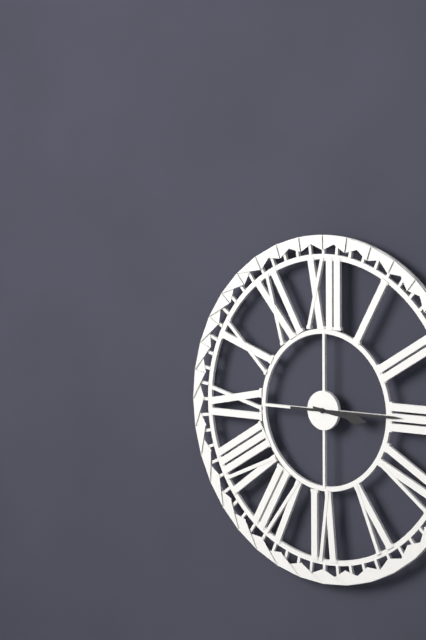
h=3 m=15
